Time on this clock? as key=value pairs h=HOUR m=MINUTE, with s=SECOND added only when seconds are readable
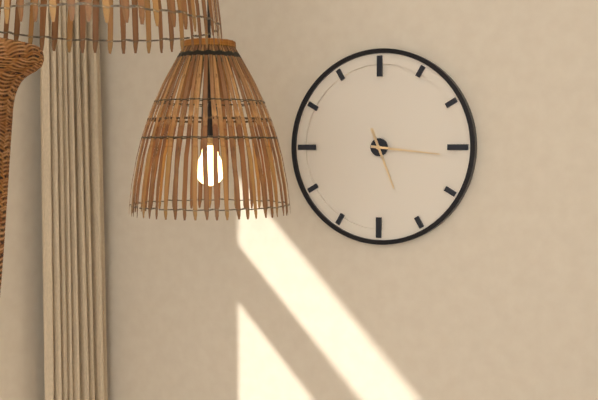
h=5 m=16
